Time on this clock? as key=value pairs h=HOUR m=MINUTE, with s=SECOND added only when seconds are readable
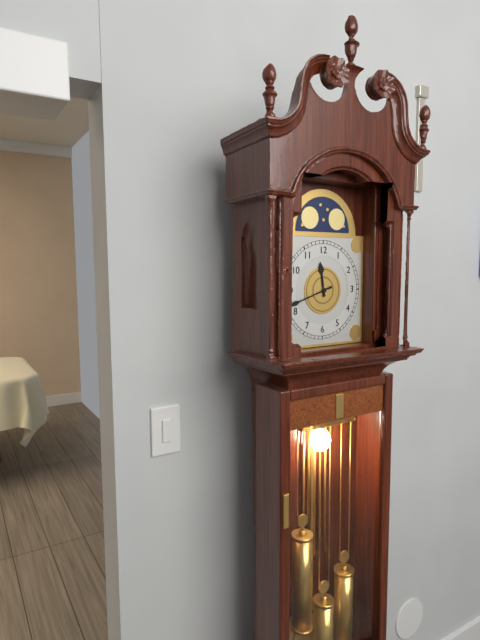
h=11 m=42
